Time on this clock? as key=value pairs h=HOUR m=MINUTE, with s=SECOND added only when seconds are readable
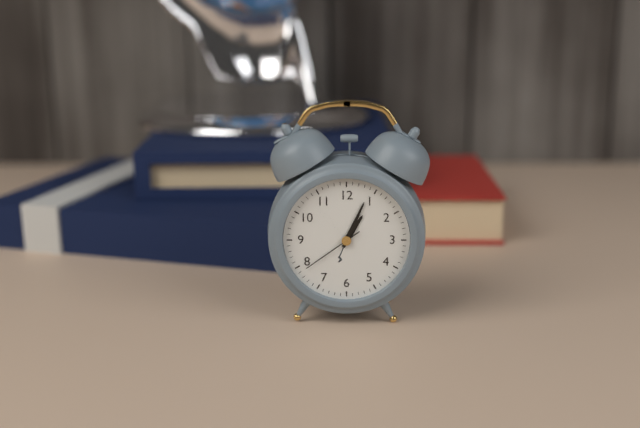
h=1 m=4 s=39
